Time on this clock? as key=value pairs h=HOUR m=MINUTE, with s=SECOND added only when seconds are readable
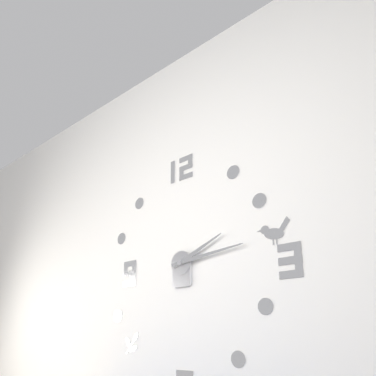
h=2 m=14
